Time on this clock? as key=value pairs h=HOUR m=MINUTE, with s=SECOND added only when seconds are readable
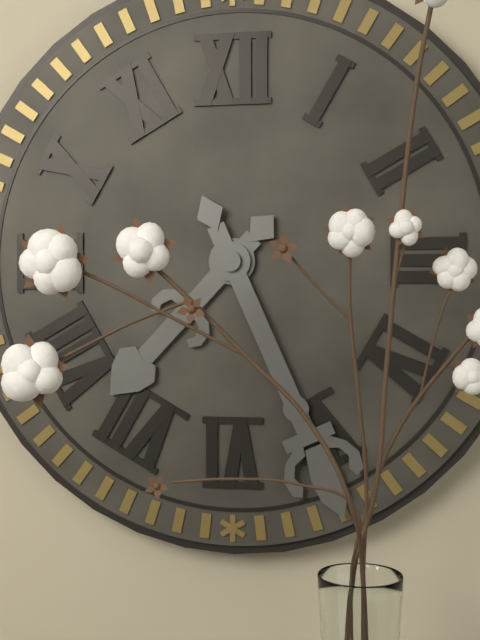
h=7 m=26
